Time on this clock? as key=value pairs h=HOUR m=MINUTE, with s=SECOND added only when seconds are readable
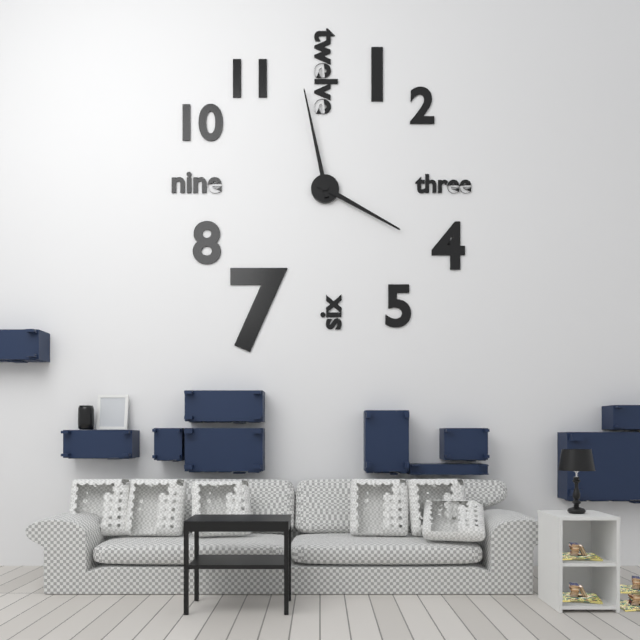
h=3 m=58
